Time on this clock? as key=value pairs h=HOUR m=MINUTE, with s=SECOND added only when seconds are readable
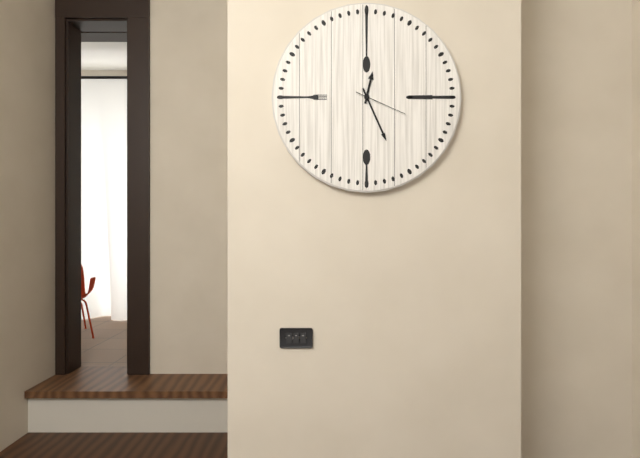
h=12 m=26 s=19
